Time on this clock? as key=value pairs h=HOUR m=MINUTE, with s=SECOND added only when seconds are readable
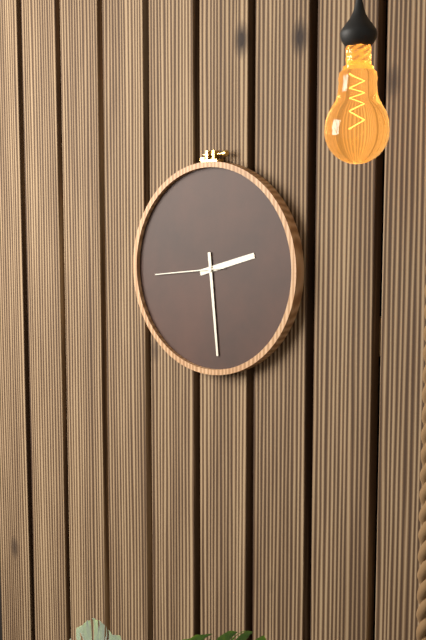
h=2 m=29 s=44
